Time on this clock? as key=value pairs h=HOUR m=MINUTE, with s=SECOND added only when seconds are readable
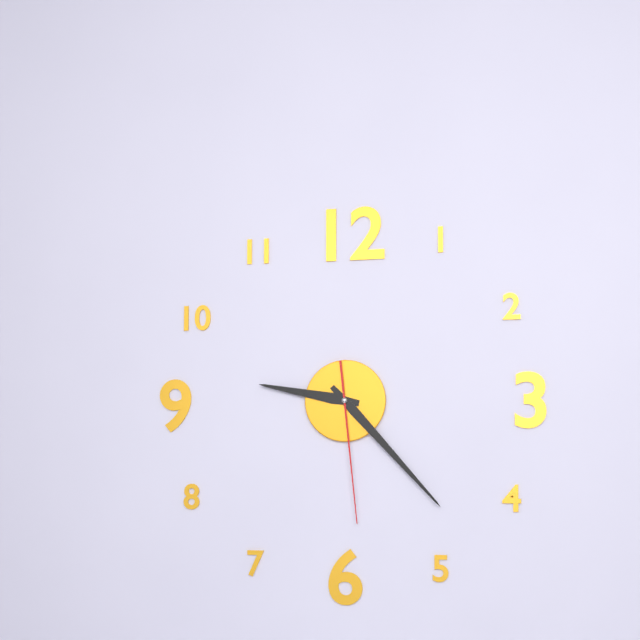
h=9 m=23 s=29
